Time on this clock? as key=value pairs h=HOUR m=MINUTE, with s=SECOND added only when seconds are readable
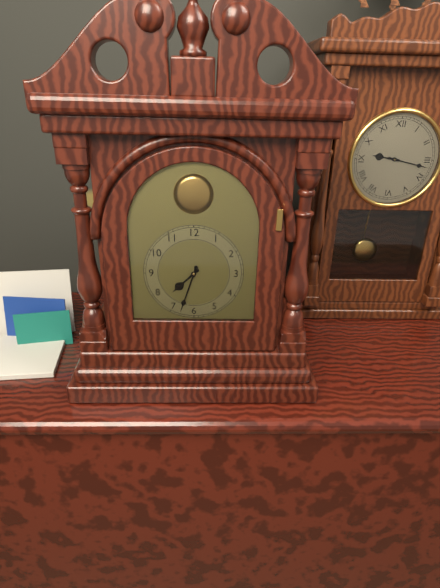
h=7 m=33
